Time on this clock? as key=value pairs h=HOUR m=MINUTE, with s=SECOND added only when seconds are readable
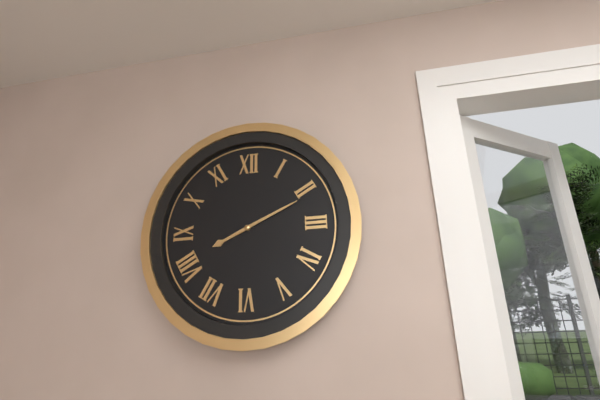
h=8 m=11
